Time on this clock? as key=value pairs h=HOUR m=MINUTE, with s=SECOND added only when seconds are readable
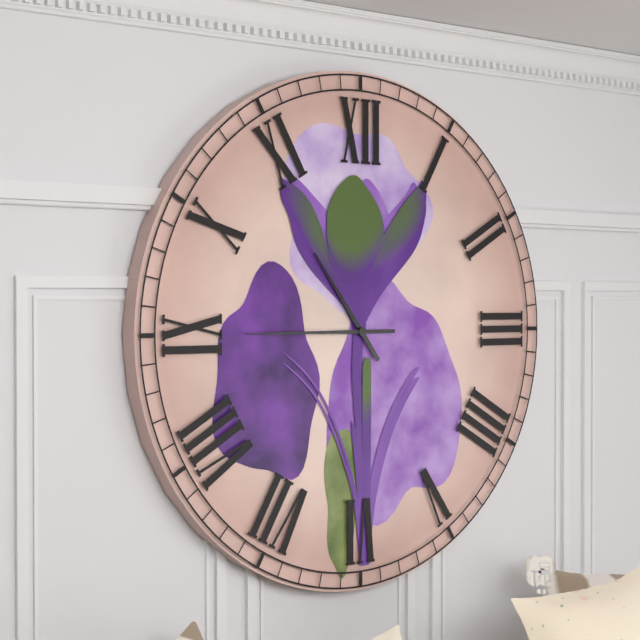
h=10 m=45
